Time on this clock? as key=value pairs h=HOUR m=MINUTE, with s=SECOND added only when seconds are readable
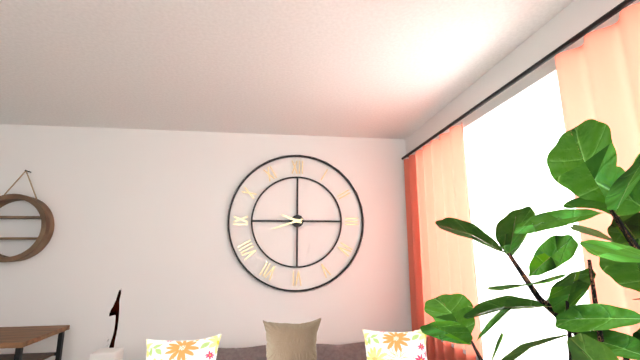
h=9 m=42
